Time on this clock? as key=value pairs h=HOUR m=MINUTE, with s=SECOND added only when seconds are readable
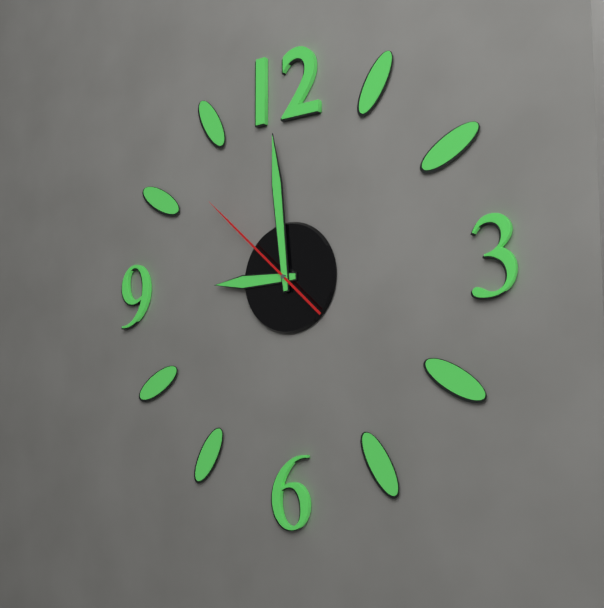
h=8 m=59 s=52
